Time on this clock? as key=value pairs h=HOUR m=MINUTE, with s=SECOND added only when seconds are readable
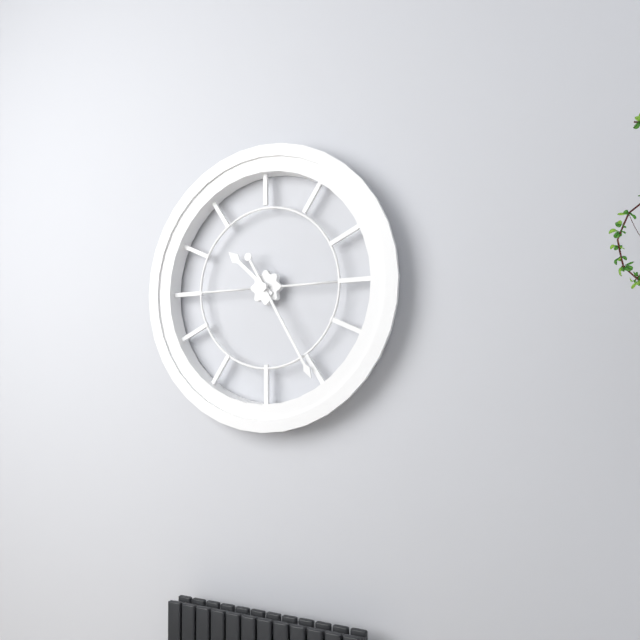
h=10 m=25
